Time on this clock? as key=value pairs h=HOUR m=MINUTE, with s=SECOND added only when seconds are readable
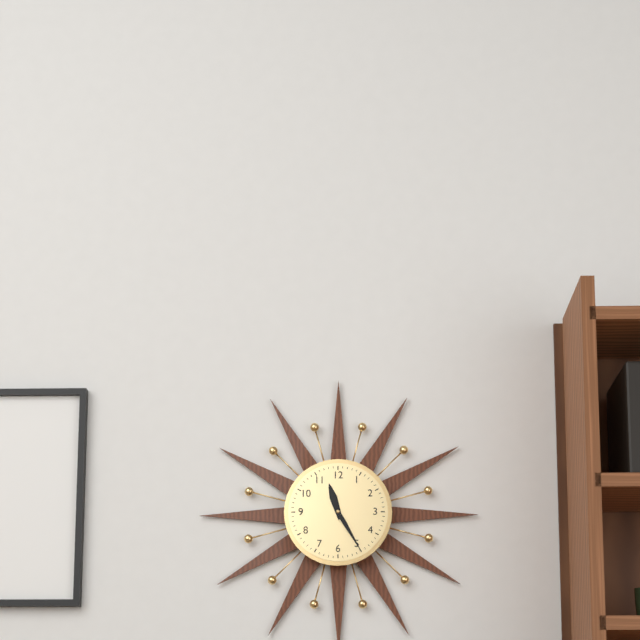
h=11 m=25
